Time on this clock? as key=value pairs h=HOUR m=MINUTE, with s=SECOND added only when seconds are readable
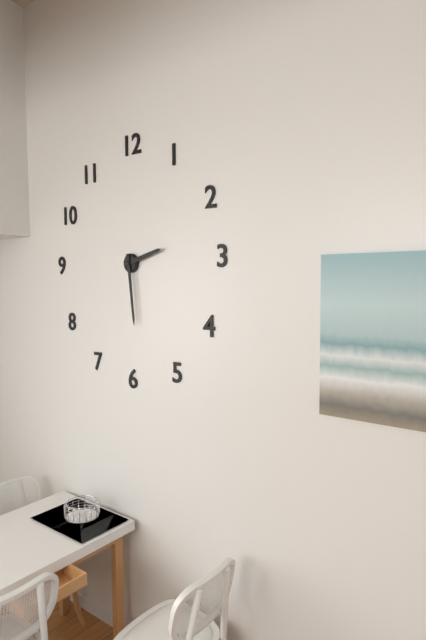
h=2 m=29
